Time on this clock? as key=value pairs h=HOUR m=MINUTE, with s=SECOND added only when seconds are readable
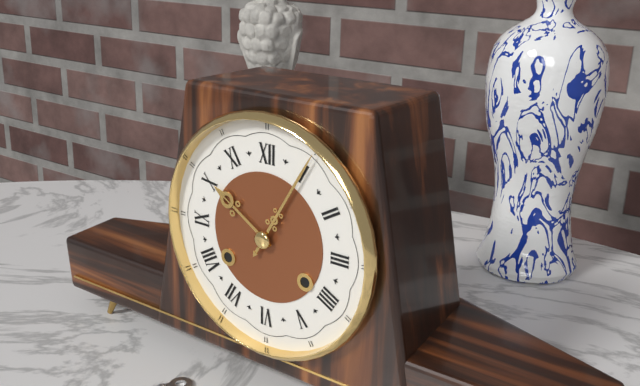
h=10 m=5
